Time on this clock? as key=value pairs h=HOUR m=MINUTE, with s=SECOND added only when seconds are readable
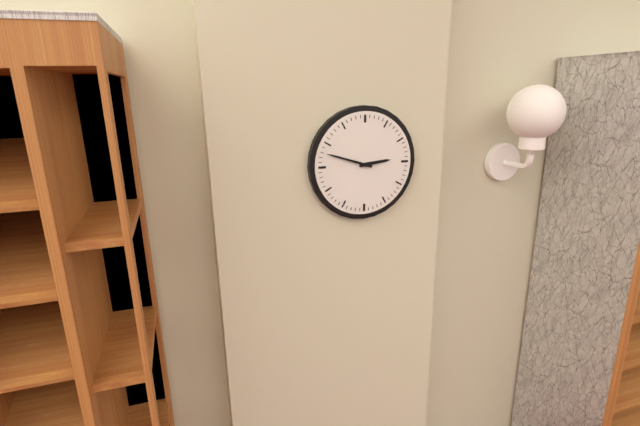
h=2 m=48
